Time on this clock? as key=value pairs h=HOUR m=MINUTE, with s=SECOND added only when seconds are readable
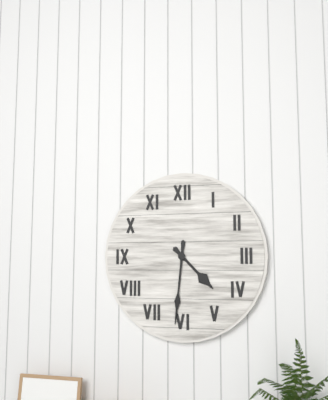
h=4 m=31
